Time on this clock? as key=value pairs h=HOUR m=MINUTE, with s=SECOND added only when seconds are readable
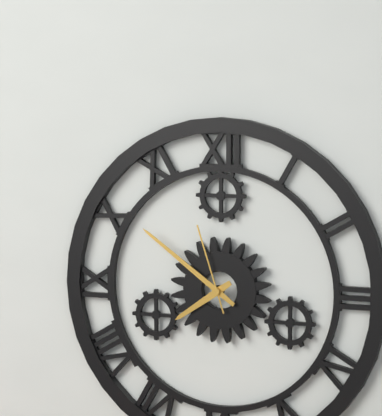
h=7 m=51 s=57
